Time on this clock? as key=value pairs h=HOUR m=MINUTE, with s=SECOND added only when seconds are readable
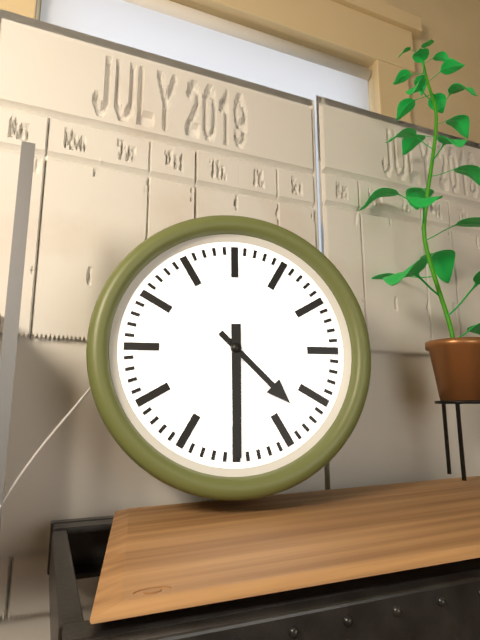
h=4 m=30
